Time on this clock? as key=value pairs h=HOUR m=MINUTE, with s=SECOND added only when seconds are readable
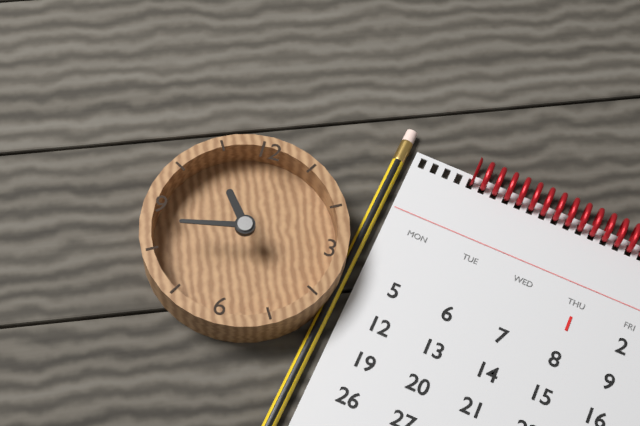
h=10 m=43
